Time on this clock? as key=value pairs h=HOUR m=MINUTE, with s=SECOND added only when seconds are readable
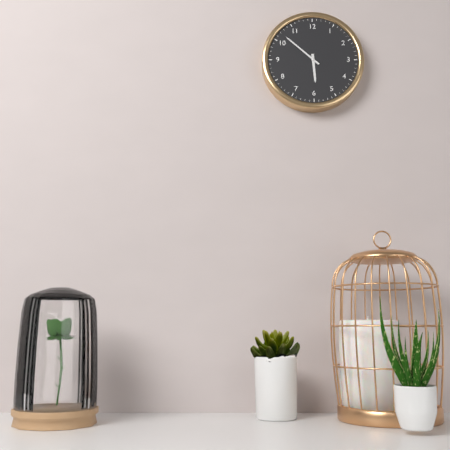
h=5 m=52
